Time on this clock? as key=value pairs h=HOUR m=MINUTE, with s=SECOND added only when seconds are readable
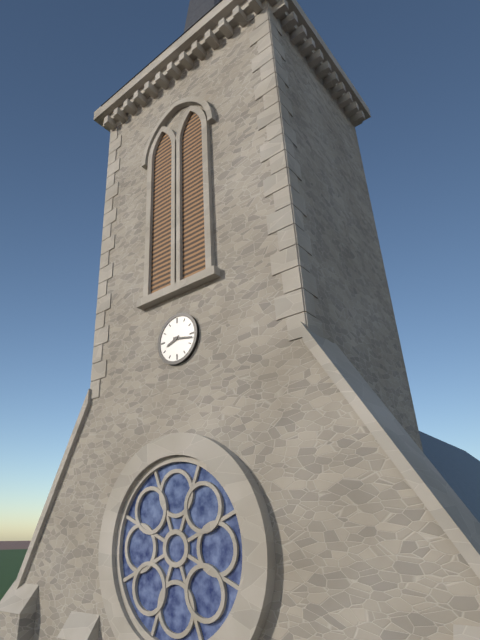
h=8 m=17
